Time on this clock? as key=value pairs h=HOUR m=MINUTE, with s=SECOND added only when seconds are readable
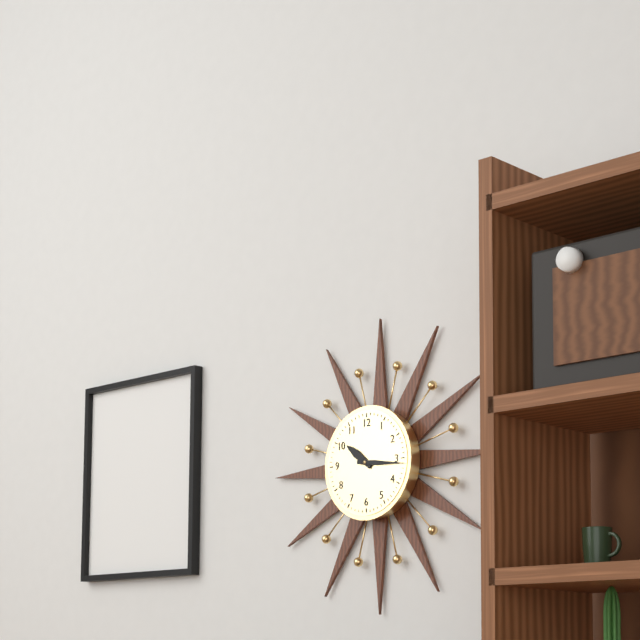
h=10 m=16
